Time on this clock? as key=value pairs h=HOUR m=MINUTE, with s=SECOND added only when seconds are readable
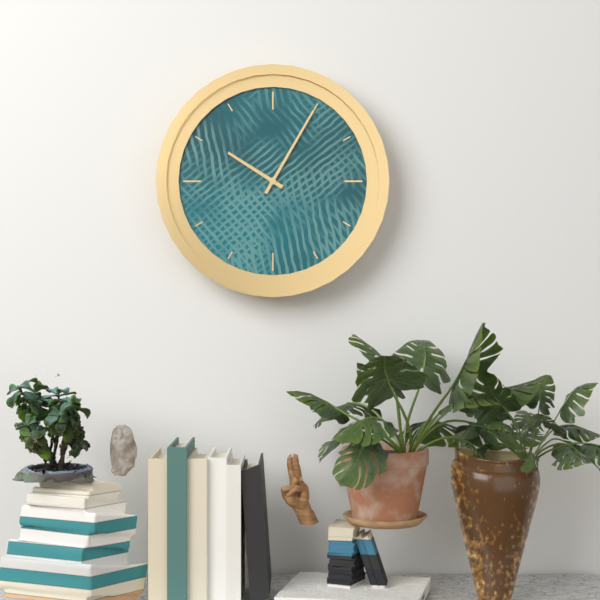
h=10 m=5
